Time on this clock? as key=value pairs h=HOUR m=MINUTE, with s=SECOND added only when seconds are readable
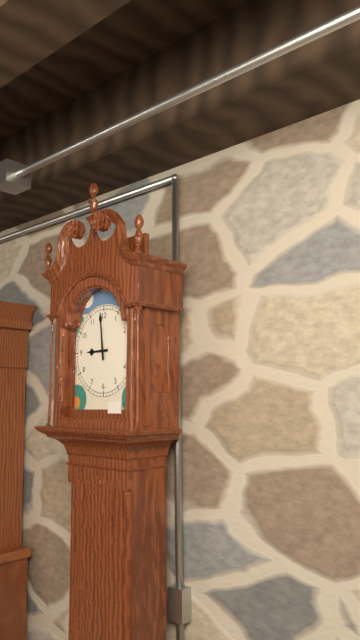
h=8 m=59
